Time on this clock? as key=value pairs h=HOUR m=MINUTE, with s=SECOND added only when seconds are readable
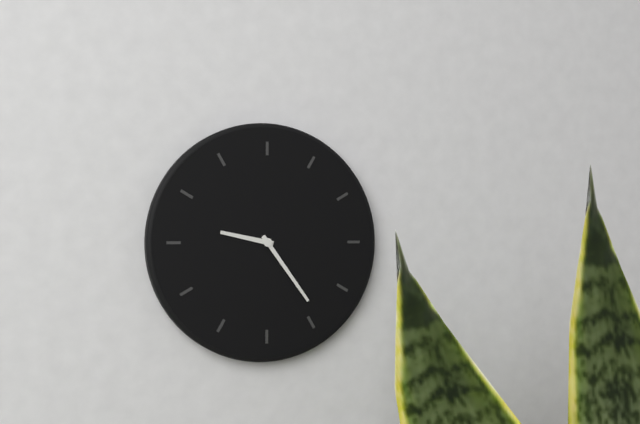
h=9 m=24
